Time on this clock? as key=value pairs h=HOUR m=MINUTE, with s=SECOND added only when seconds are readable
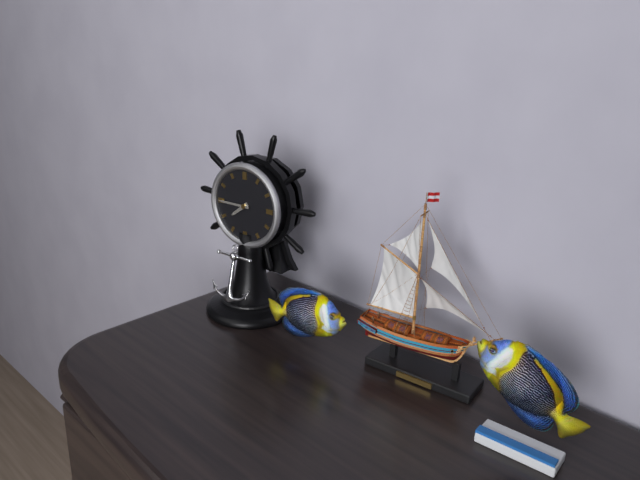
h=7 m=45
